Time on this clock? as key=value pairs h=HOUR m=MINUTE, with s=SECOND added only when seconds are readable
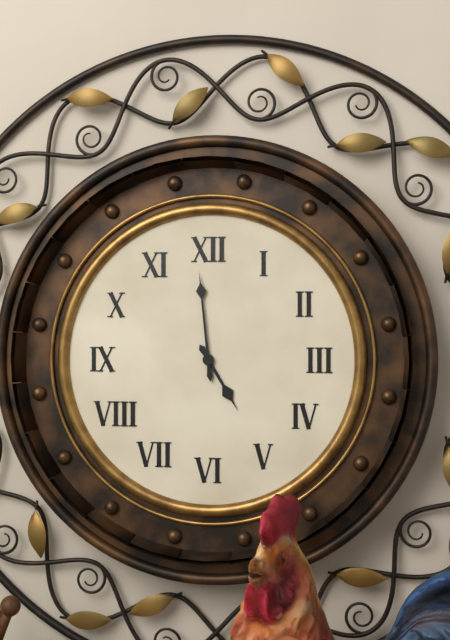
h=4 m=59
